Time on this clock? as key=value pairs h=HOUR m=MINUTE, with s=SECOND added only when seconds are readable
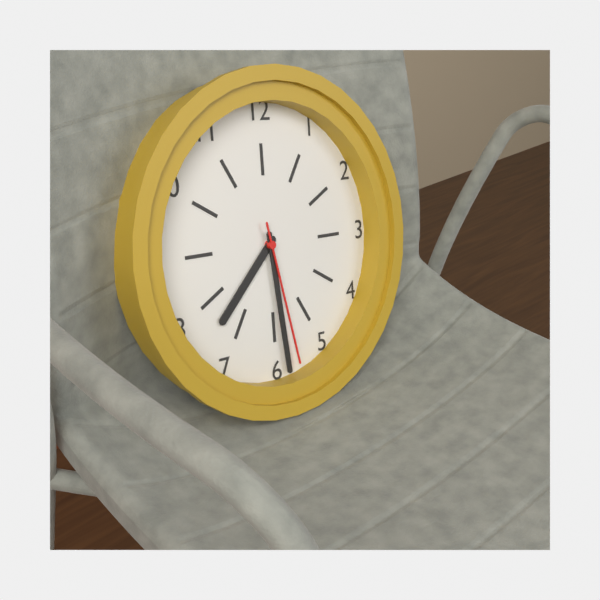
h=7 m=29 s=28
